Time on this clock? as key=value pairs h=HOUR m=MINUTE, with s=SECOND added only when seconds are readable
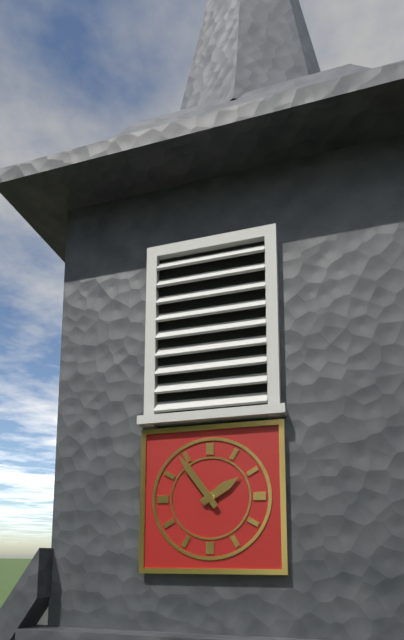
h=1 m=54
